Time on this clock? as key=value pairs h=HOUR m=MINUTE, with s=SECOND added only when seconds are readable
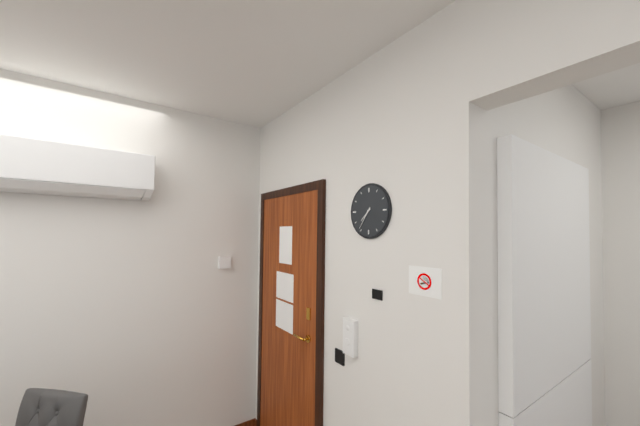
h=7 m=36
